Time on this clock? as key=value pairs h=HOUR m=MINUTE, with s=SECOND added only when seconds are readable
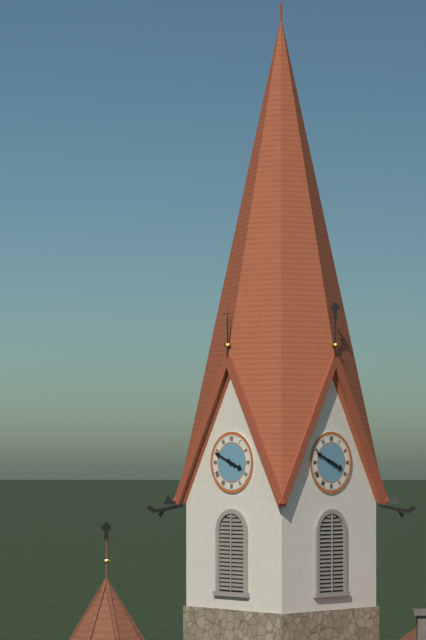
h=3 m=49
